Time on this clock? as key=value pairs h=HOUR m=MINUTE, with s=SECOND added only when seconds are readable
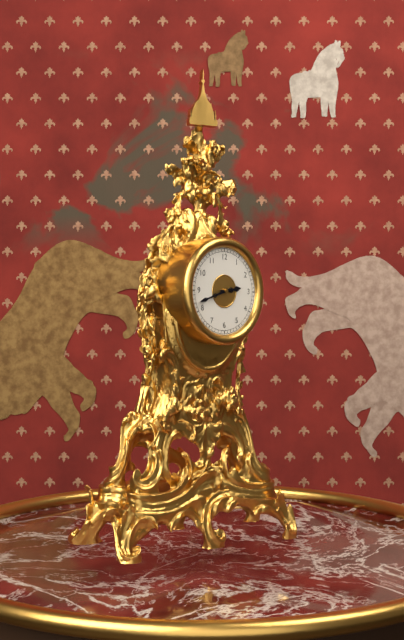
h=2 m=42
